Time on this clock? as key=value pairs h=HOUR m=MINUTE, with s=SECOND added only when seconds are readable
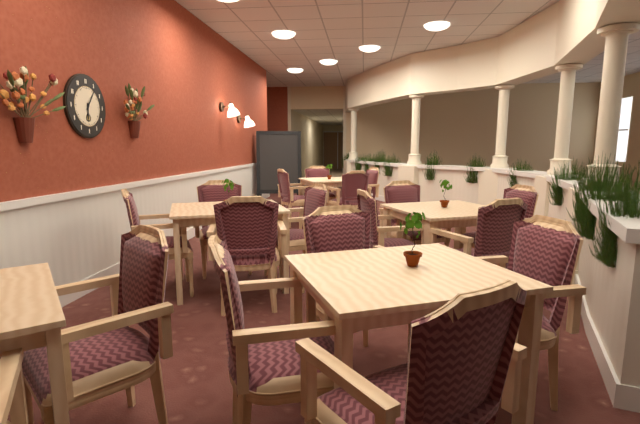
h=6 m=6
